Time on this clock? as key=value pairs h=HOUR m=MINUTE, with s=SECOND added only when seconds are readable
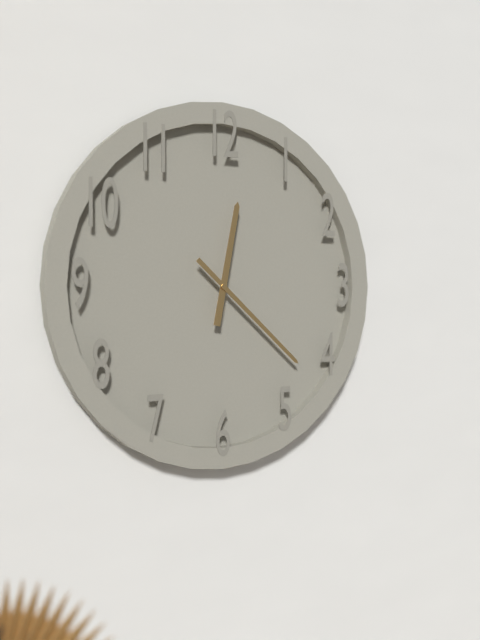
h=12 m=22
